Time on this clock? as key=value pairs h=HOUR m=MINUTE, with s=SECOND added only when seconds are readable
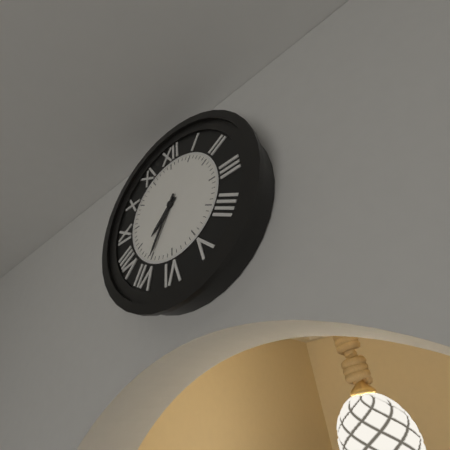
h=7 m=35
